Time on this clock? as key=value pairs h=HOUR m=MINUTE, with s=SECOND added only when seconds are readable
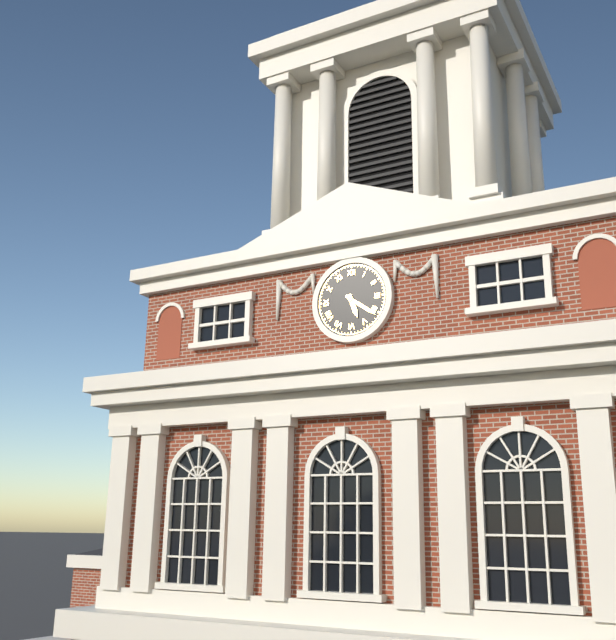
h=5 m=21
